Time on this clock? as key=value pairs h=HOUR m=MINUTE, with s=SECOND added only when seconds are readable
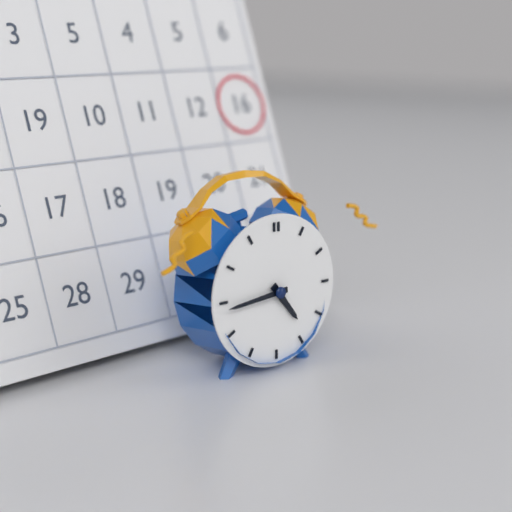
h=4 m=44
